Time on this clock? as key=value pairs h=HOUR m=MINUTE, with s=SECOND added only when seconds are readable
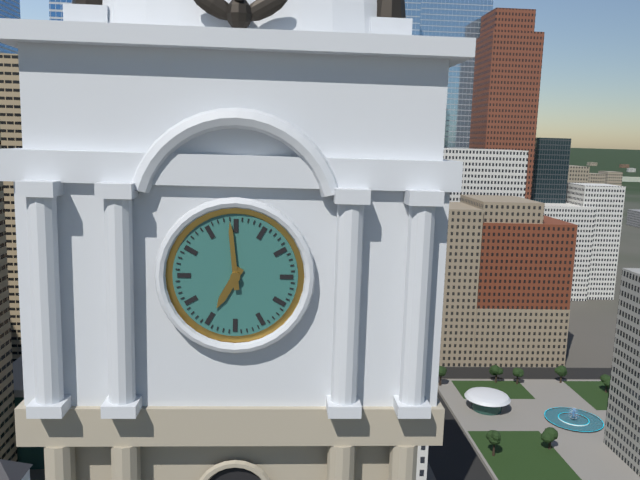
h=6 m=59
